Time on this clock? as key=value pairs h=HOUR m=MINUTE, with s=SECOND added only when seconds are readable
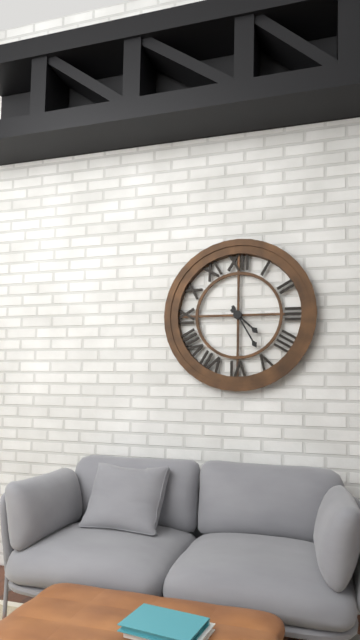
h=4 m=25
